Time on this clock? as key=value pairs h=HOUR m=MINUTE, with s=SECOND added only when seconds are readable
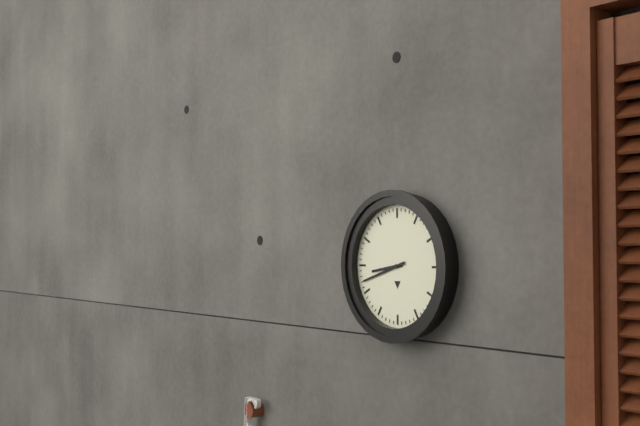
h=8 m=42
